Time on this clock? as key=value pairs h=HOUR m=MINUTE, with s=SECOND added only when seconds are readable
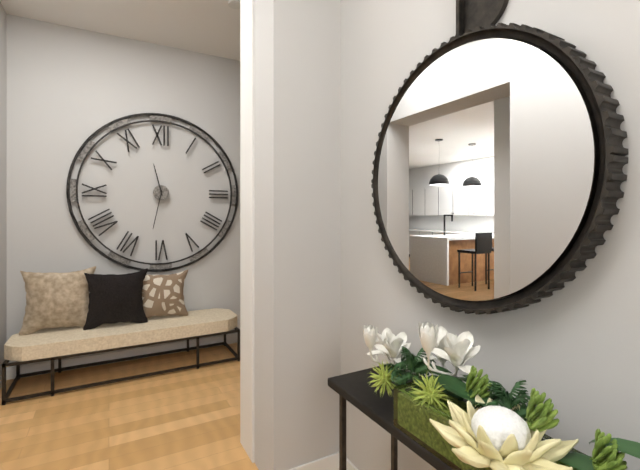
h=11 m=32
